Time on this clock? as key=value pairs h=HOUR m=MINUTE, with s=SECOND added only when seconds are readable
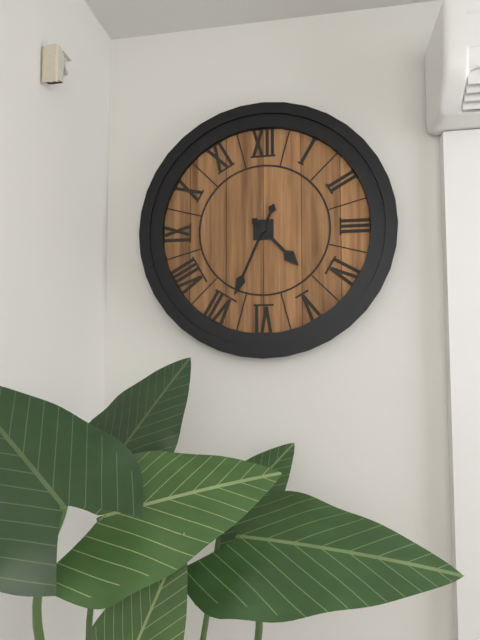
h=4 m=34
